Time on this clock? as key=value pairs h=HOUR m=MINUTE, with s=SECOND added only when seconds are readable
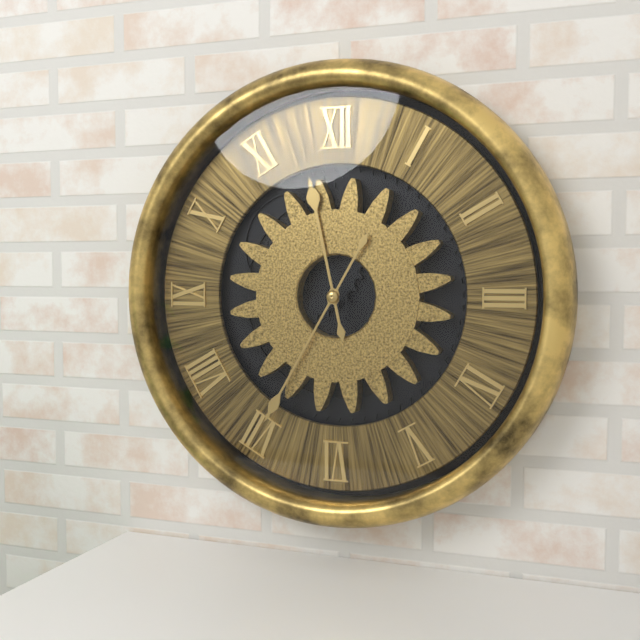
h=11 m=35
